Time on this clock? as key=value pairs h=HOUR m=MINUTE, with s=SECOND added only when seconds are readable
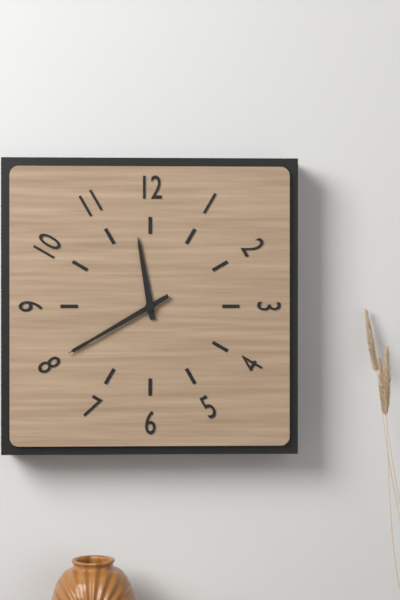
h=11 m=40
